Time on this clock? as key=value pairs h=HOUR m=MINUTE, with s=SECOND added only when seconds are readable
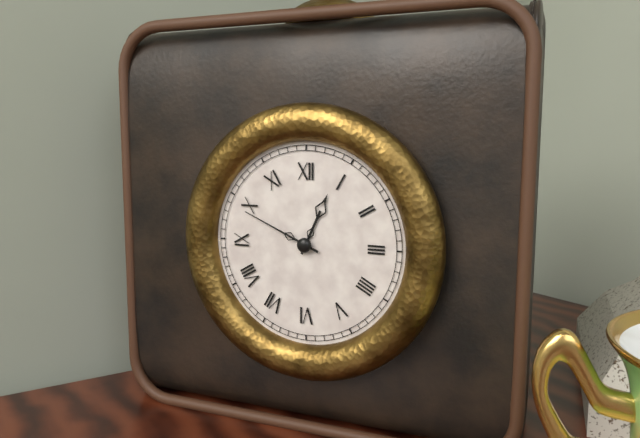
h=12 m=49
